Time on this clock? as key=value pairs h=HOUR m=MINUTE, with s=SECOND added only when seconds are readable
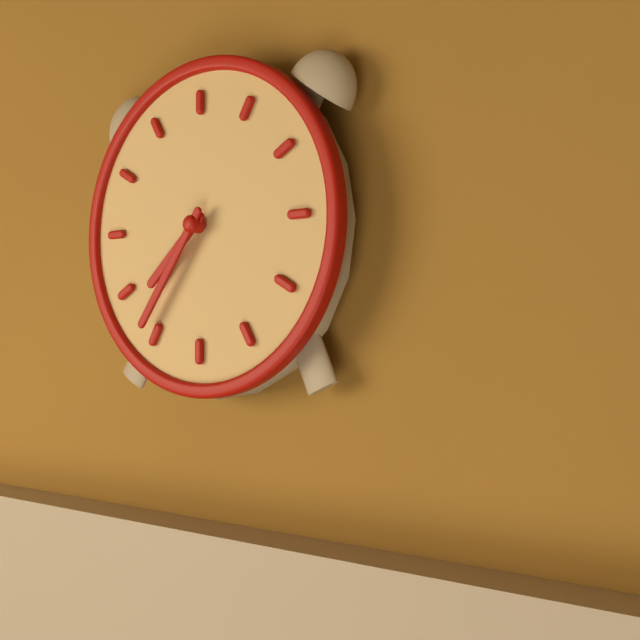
h=7 m=36
